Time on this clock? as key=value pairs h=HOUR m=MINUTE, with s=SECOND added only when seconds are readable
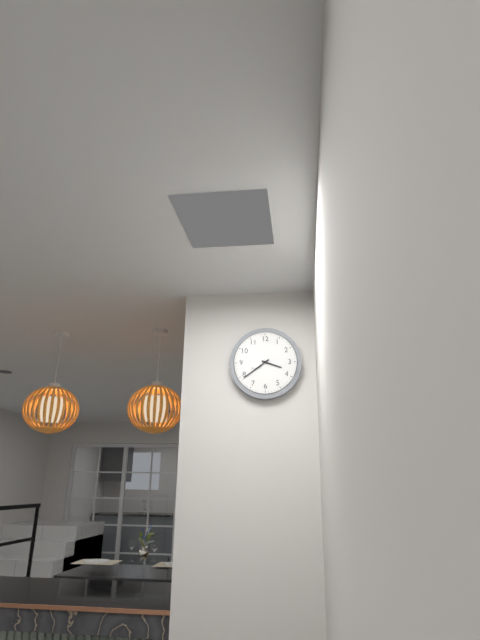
h=3 m=39
